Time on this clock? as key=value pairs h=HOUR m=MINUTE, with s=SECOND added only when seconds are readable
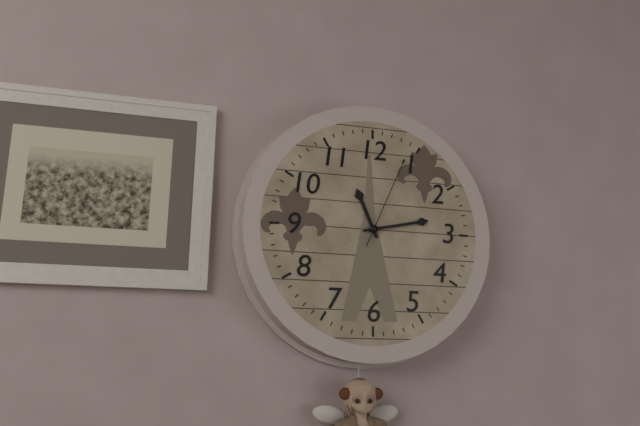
h=11 m=13 s=4
